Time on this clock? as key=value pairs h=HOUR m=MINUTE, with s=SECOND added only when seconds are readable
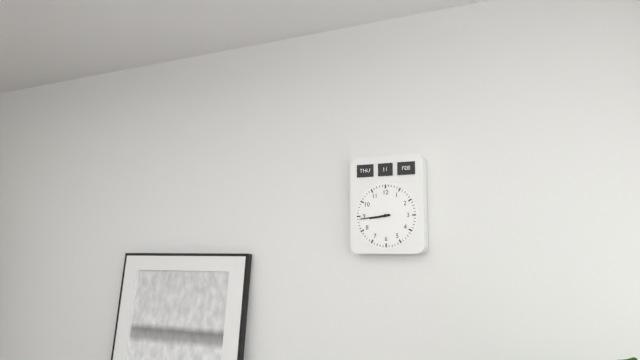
h=8 m=44
